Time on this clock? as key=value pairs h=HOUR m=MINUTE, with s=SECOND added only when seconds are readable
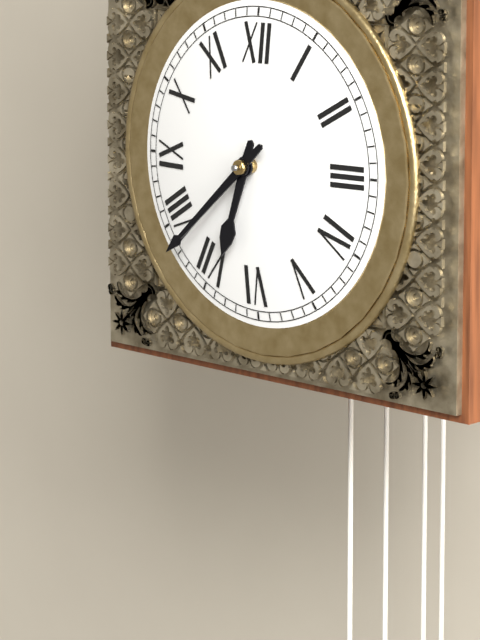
h=6 m=38
